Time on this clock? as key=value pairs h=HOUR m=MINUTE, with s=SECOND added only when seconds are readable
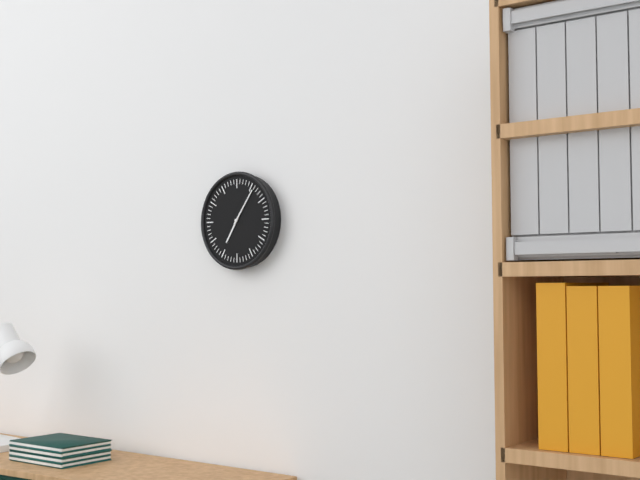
h=7 m=6
